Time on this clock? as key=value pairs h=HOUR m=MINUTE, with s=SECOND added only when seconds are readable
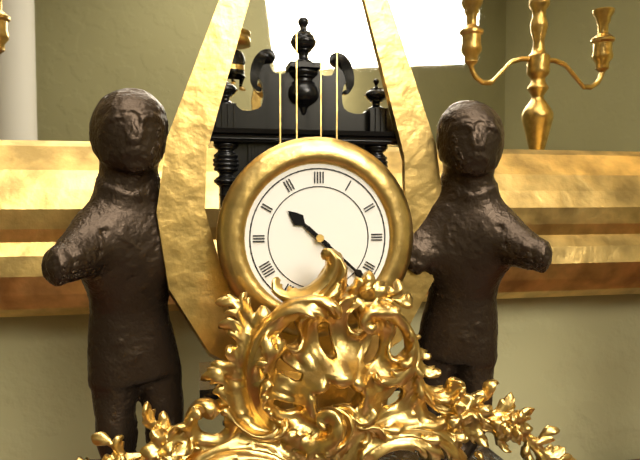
h=10 m=22
